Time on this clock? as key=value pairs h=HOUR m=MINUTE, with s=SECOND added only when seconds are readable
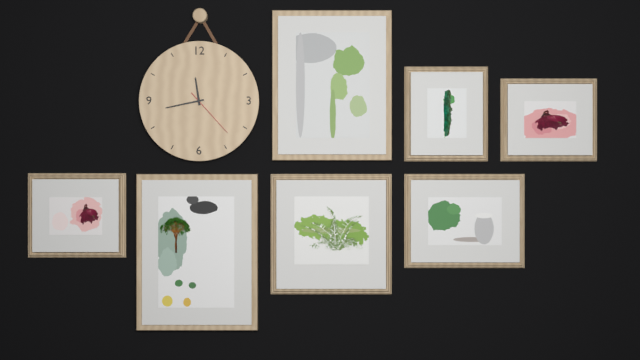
h=11 m=43 s=23
